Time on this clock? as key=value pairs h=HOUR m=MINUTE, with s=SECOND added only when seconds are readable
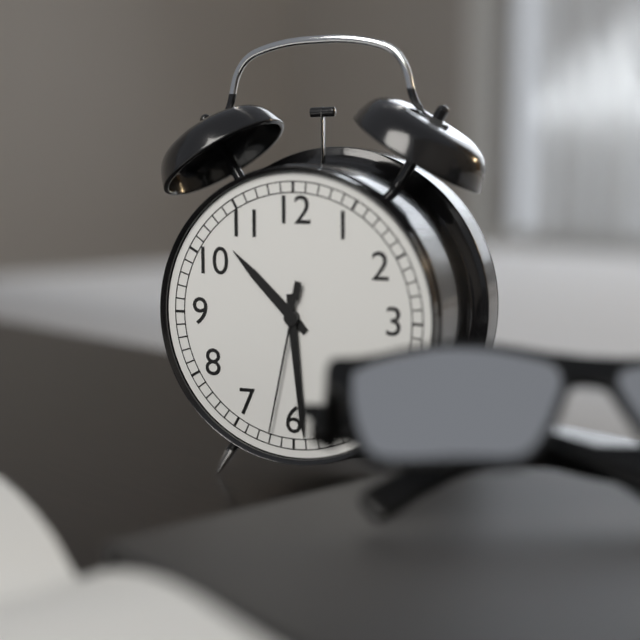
h=10 m=29 s=32
